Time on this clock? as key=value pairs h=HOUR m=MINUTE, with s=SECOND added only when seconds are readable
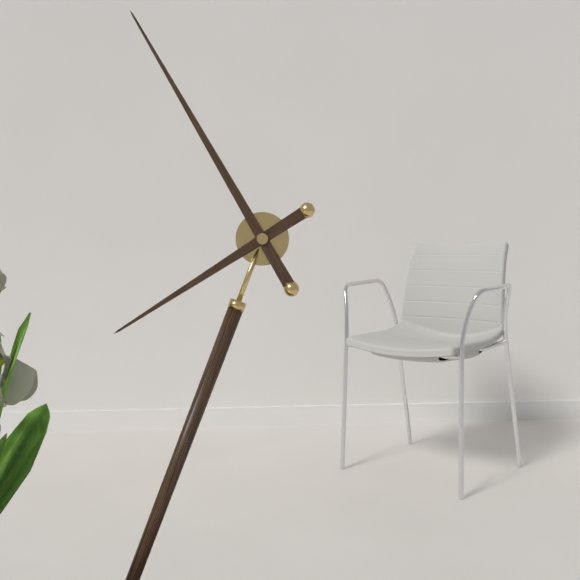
h=7 m=55
